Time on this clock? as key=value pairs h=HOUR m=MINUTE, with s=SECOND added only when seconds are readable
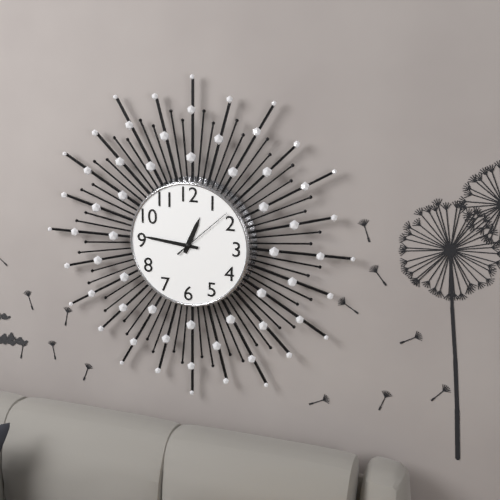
h=12 m=46 s=8
